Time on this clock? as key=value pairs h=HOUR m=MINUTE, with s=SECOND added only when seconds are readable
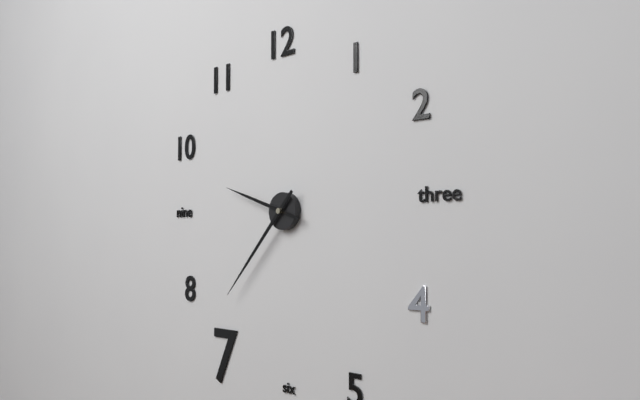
h=9 m=37
